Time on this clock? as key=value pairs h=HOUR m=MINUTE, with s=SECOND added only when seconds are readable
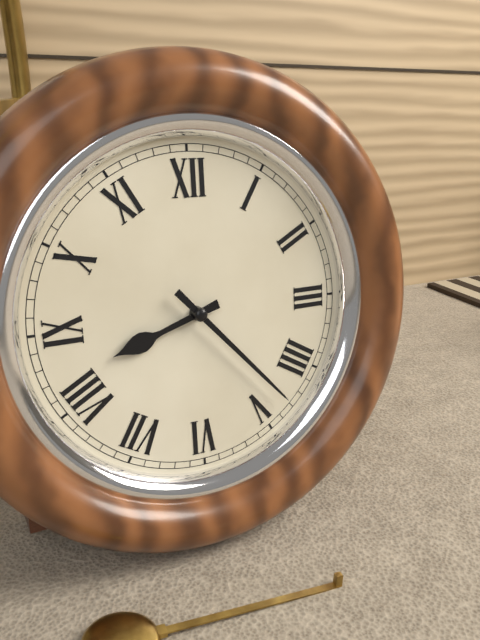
h=8 m=23
